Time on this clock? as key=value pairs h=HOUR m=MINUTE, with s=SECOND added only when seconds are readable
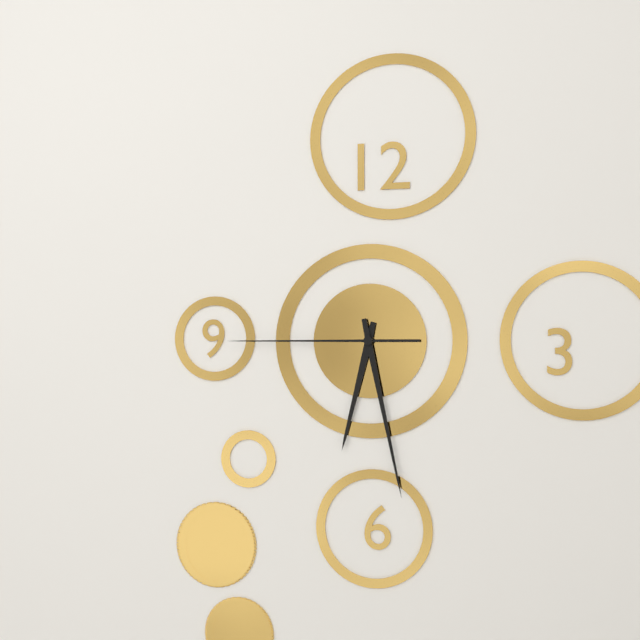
h=6 m=28 s=45
